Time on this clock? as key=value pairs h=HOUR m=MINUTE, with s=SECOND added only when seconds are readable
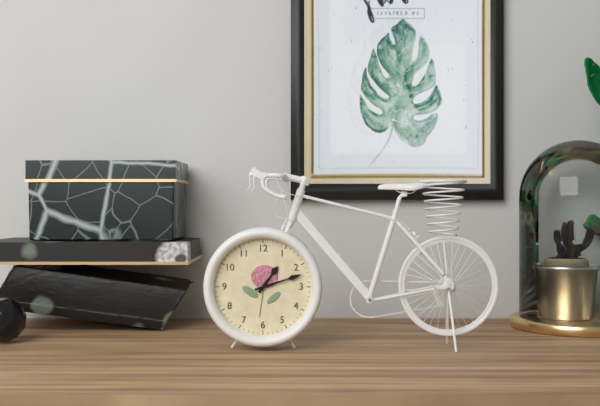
h=1 m=12
